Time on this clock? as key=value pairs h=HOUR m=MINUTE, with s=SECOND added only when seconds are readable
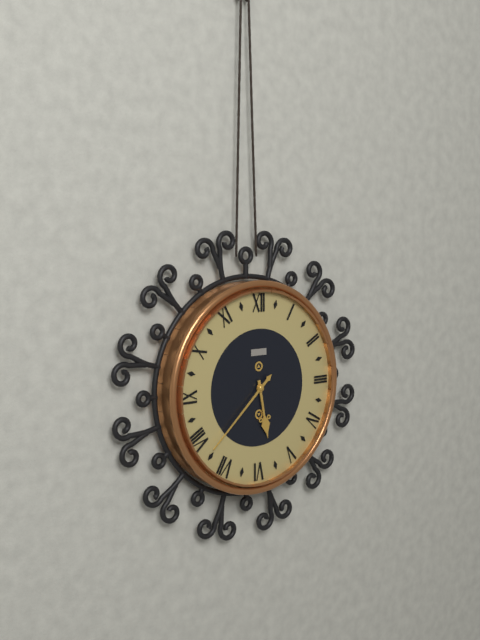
h=5 m=38
